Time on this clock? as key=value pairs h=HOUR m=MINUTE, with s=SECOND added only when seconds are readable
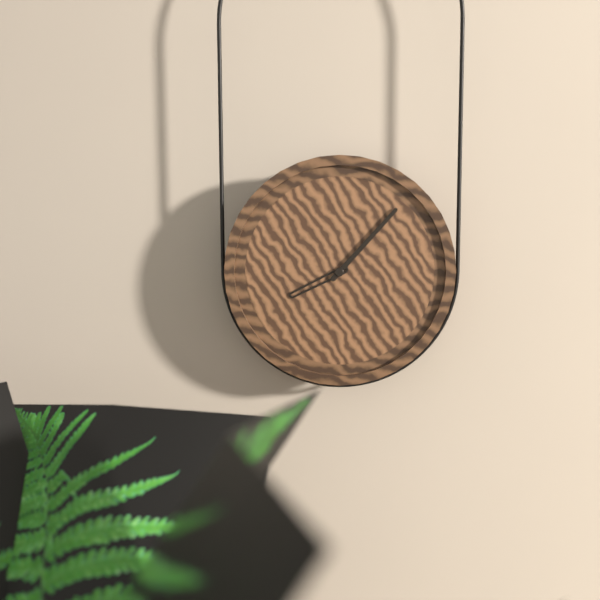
h=8 m=7
